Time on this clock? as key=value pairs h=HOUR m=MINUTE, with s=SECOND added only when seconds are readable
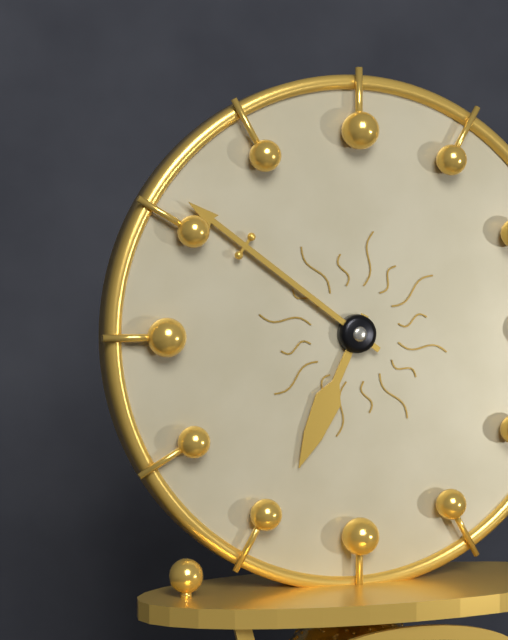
h=6 m=51
